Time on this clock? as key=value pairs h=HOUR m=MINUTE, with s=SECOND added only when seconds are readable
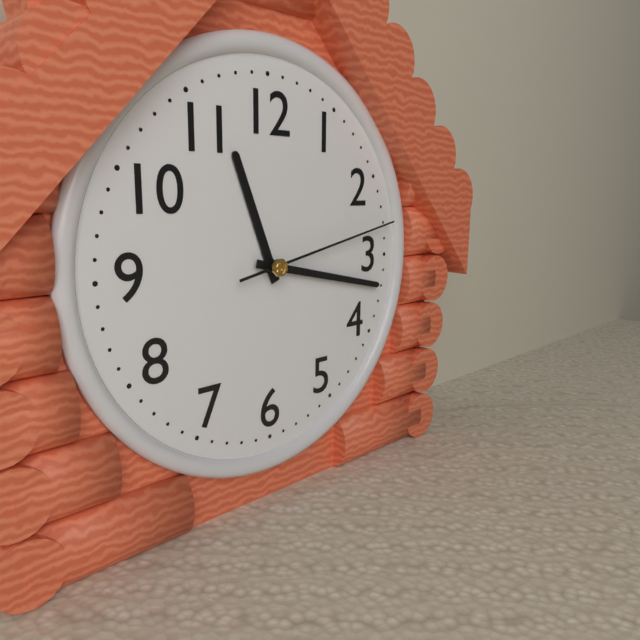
h=11 m=17 s=13
